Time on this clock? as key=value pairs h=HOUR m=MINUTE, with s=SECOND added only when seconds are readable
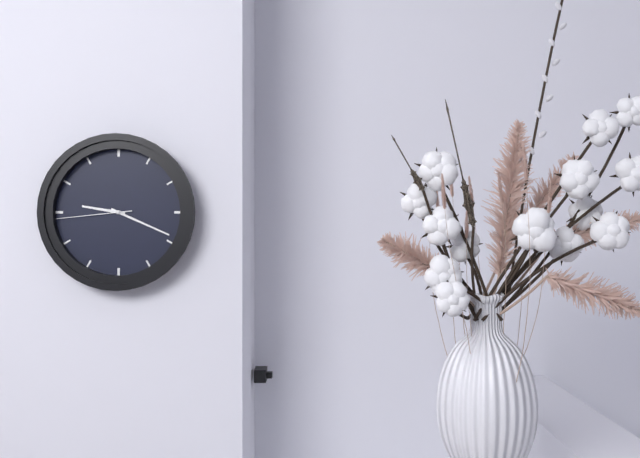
h=9 m=19 s=44
